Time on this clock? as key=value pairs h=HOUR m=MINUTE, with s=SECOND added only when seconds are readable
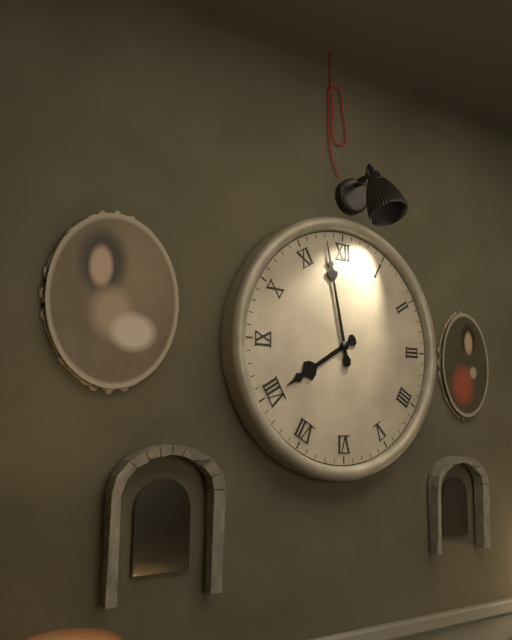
h=7 m=58
